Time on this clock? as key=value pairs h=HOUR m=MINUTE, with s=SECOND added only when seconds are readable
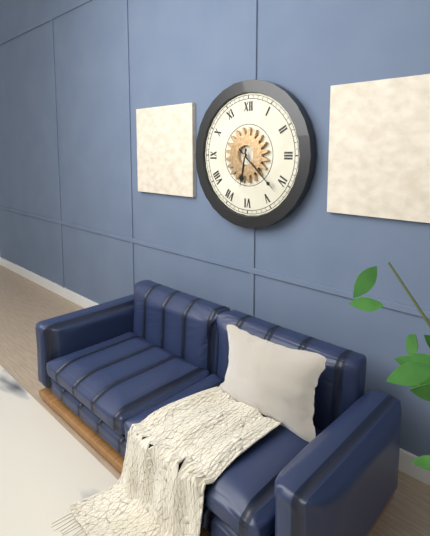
h=6 m=22
